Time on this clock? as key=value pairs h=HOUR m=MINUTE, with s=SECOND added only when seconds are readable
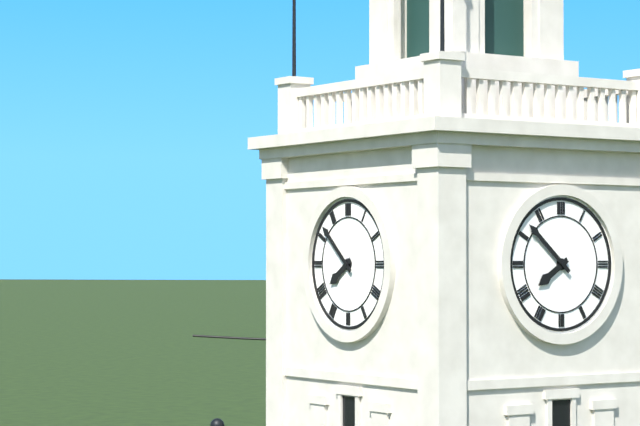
h=7 m=52
